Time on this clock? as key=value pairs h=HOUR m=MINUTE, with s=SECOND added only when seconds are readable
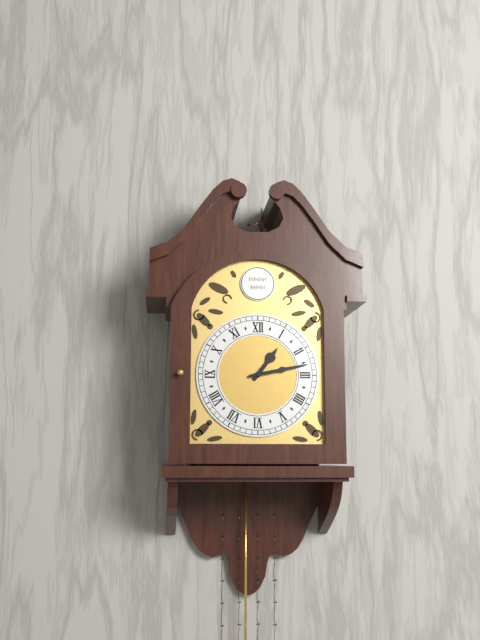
h=1 m=13
